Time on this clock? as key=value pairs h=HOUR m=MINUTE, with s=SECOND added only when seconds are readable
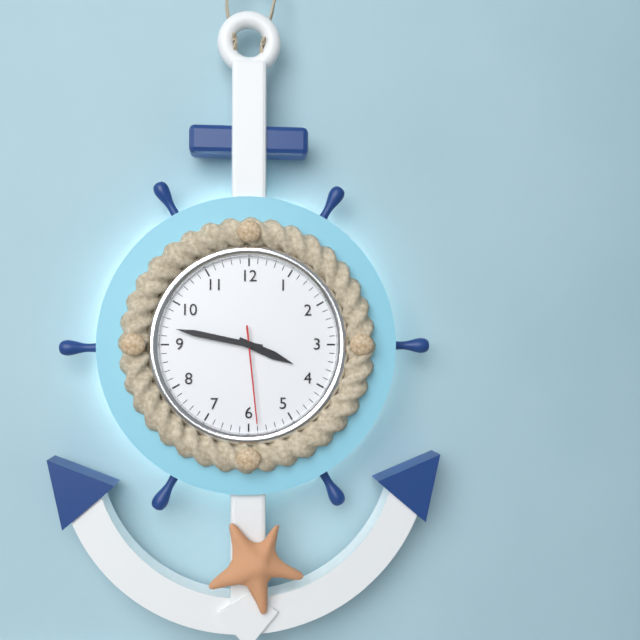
h=3 m=47 s=29
